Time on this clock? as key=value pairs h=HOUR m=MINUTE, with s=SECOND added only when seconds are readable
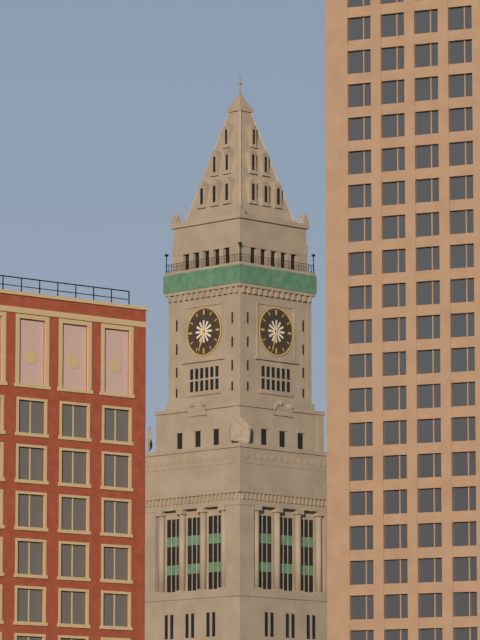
h=6 m=33
